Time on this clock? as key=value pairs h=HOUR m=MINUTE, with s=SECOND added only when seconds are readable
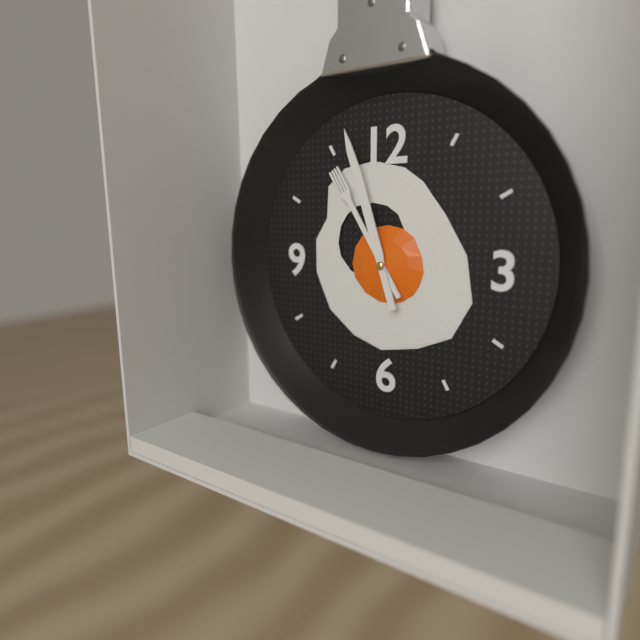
h=10 m=57
